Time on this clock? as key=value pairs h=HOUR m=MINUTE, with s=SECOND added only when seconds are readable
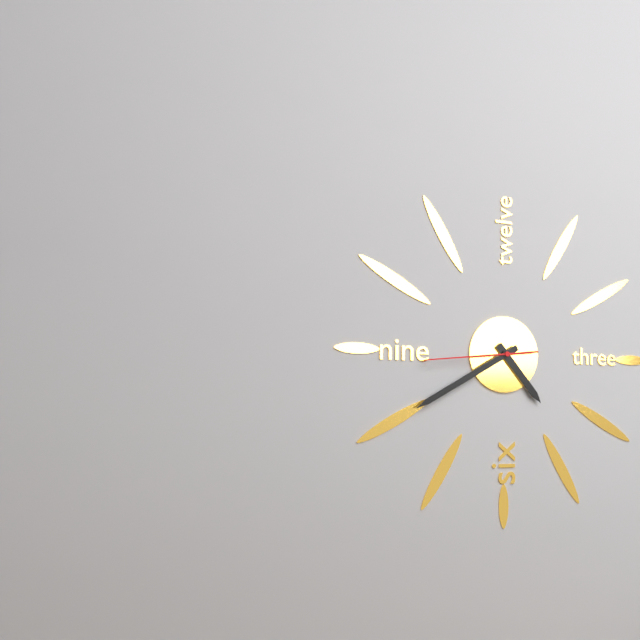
h=4 m=40 s=44
